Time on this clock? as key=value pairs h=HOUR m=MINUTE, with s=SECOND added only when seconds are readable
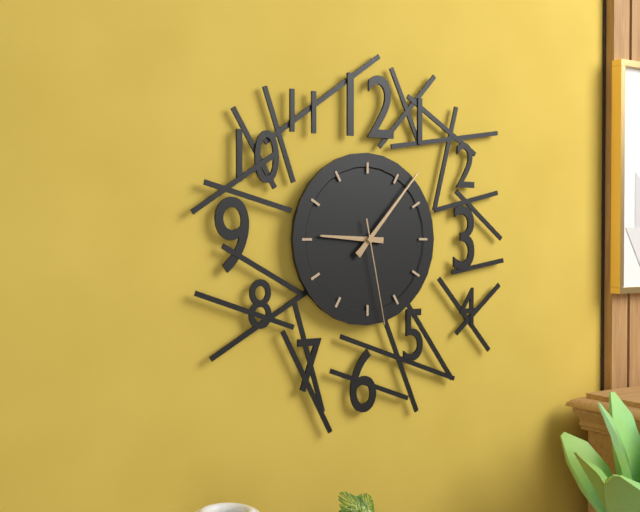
h=9 m=7 s=28
